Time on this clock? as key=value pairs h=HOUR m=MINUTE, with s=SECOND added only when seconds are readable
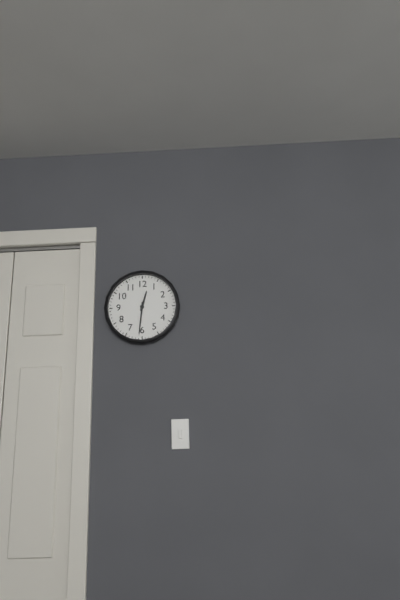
h=12 m=31
